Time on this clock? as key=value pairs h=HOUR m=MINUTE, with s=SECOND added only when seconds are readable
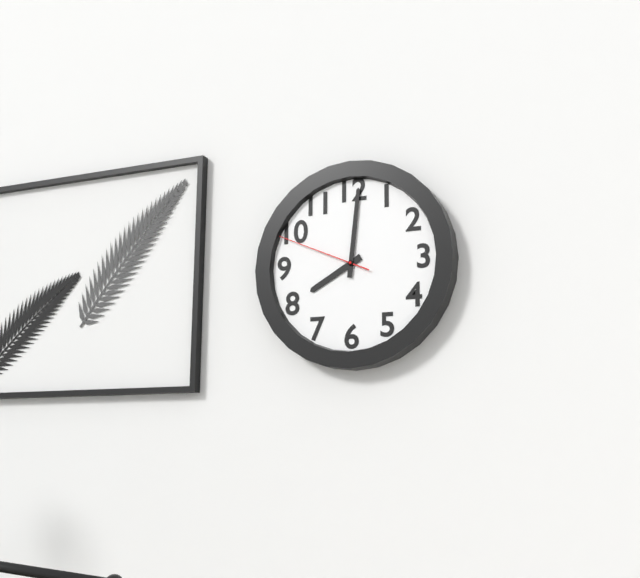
h=8 m=1 s=49
